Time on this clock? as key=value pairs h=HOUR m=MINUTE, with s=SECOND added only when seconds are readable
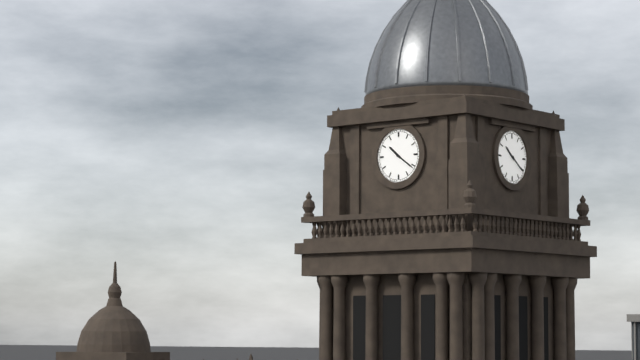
h=10 m=21
